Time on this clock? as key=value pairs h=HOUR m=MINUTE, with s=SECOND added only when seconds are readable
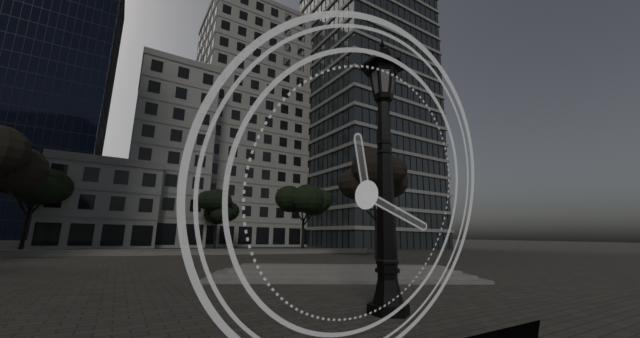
h=11 m=18
